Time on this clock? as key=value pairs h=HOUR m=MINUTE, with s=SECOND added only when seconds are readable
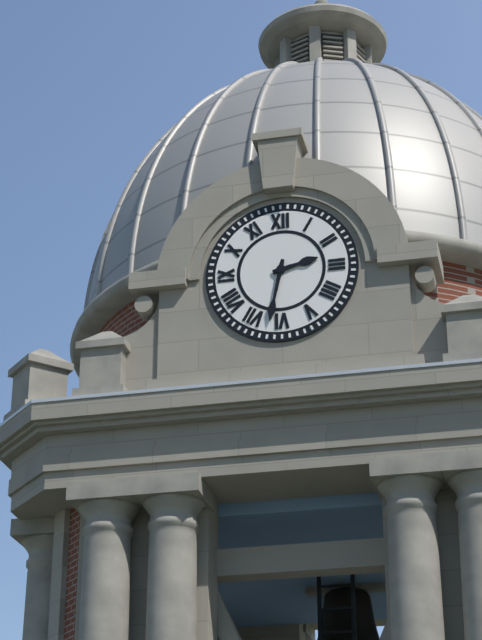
h=2 m=32
